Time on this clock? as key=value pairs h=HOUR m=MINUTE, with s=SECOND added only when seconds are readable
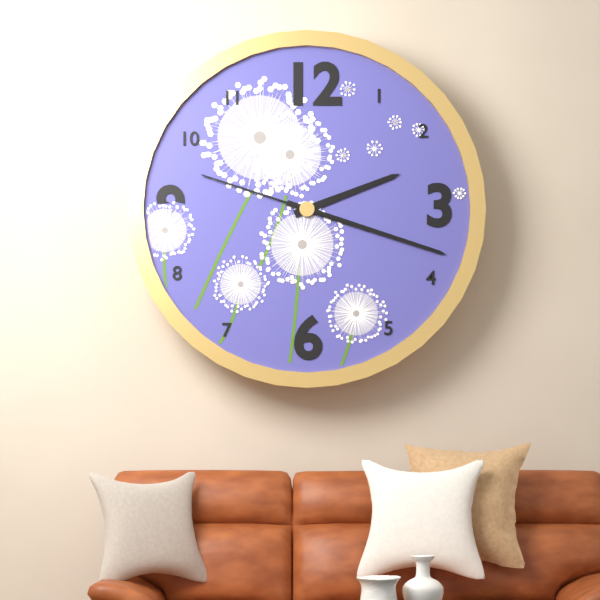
h=2 m=18 s=48
